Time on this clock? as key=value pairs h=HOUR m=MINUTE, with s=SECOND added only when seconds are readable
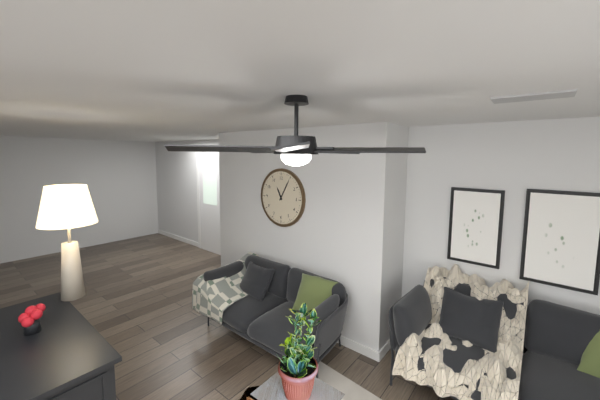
h=11 m=5
